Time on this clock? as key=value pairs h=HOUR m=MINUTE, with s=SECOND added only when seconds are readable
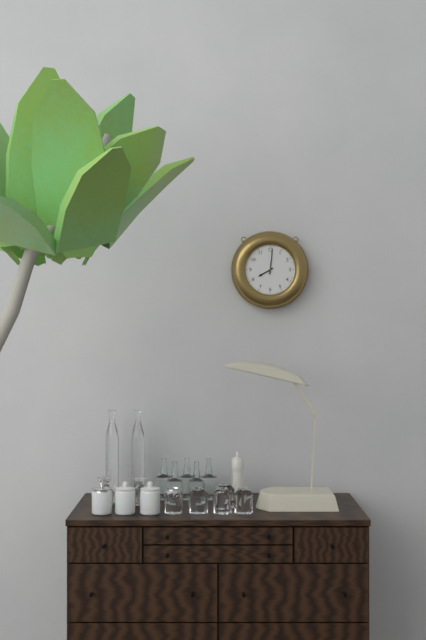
h=8 m=1
